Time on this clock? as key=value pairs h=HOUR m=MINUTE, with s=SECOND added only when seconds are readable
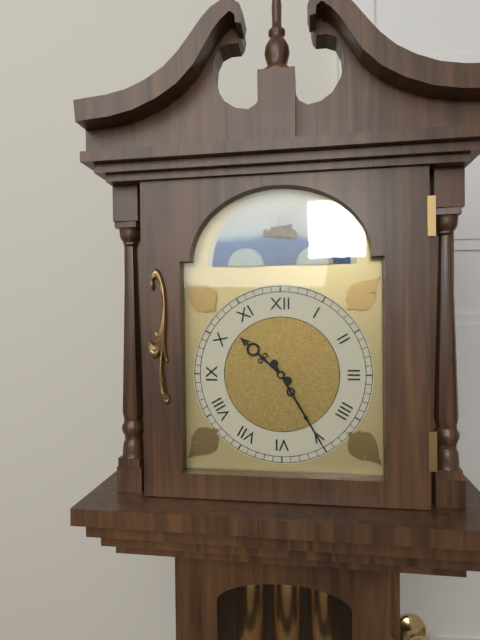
h=10 m=25
